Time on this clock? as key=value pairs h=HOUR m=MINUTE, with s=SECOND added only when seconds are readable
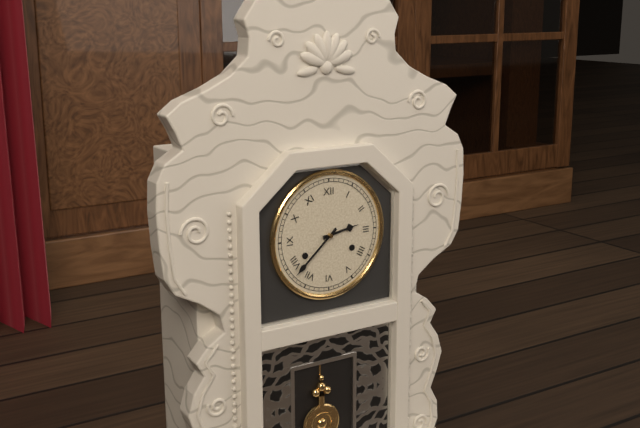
h=2 m=38
